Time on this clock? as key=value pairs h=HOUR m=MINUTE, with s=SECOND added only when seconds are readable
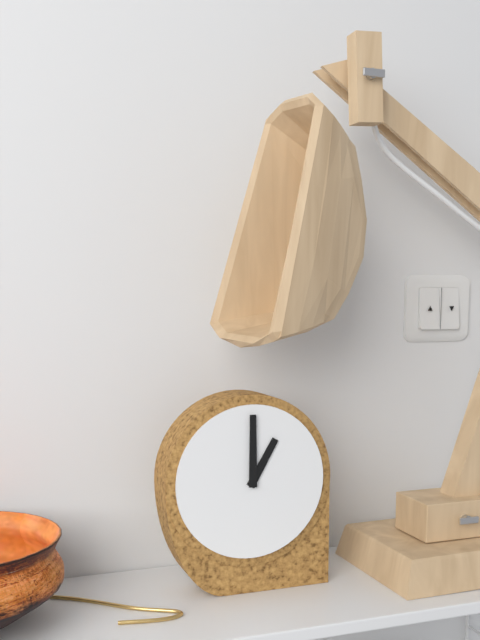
h=1 m=0
